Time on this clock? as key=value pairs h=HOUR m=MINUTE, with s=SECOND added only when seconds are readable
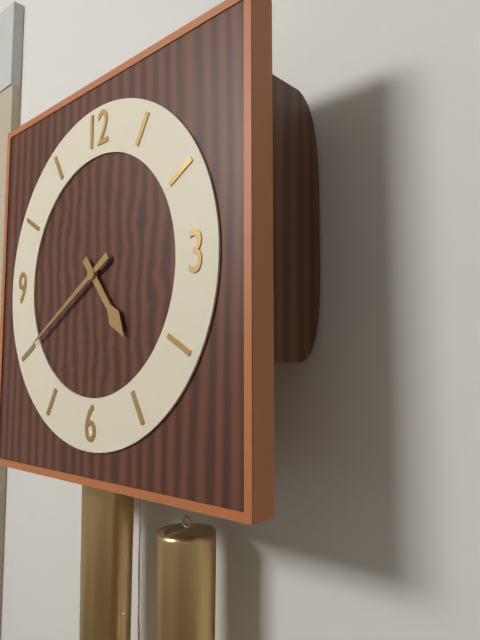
h=4 m=40
